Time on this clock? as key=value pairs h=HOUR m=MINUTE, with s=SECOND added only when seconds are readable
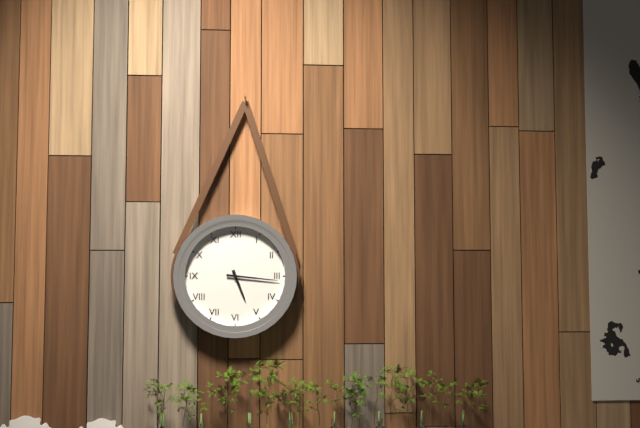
h=5 m=16
